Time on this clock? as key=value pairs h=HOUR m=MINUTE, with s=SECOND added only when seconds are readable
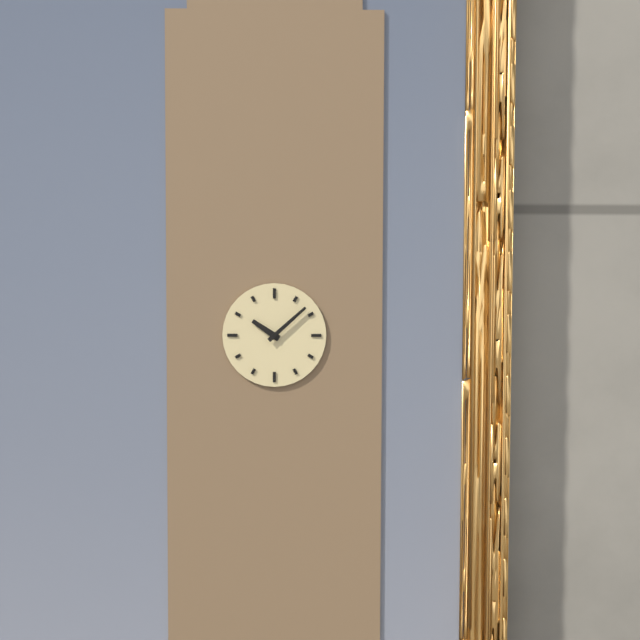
h=10 m=8
